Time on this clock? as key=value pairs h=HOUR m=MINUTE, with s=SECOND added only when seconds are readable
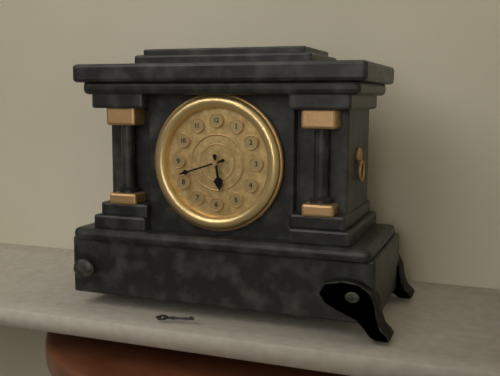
h=5 m=42
